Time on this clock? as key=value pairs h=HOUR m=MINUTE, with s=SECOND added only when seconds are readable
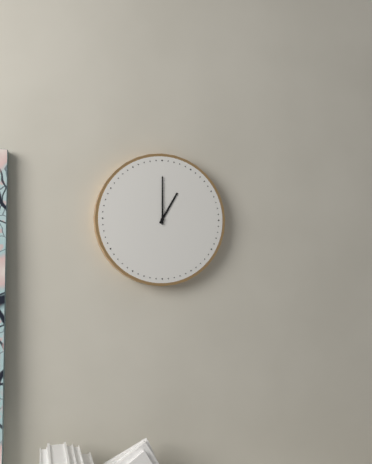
h=1 m=0
